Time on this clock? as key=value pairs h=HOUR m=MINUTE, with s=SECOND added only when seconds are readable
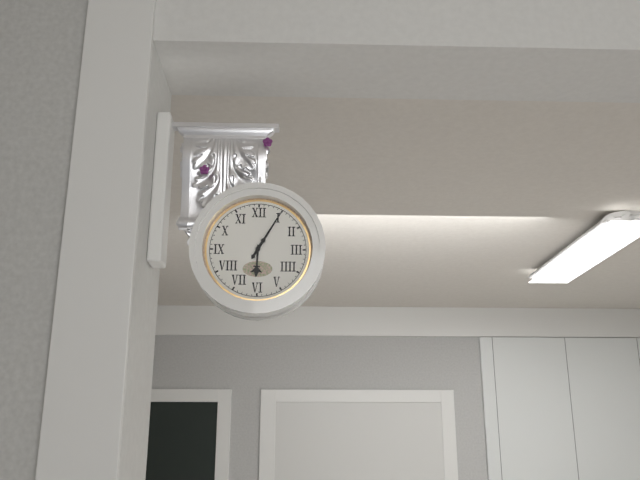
h=6 m=5
